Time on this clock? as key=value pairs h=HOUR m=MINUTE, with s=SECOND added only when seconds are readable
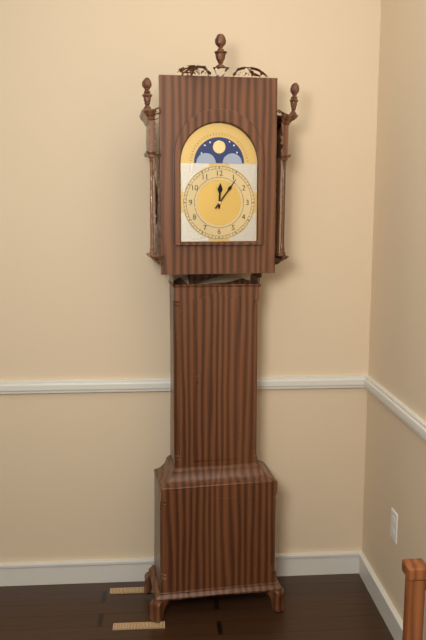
h=12 m=6
